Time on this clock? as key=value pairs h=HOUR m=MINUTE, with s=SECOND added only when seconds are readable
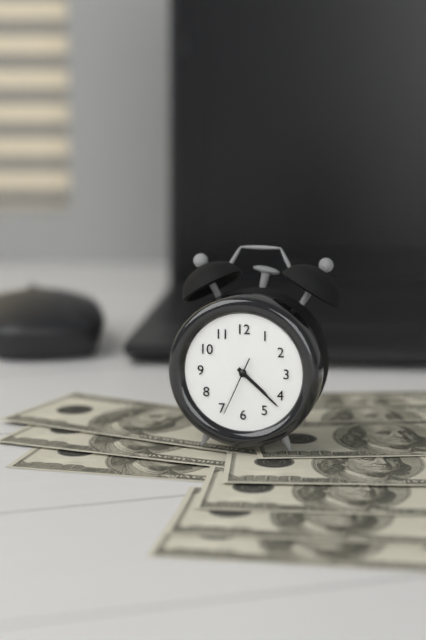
h=4 m=22 s=34
